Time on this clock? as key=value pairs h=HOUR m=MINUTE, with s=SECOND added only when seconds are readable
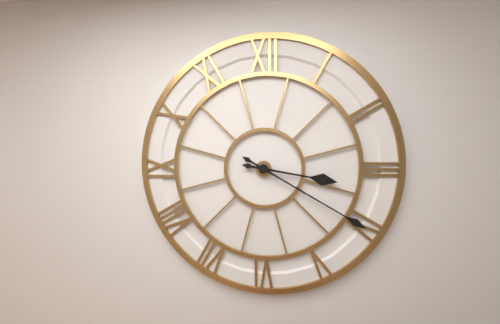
h=3 m=20
